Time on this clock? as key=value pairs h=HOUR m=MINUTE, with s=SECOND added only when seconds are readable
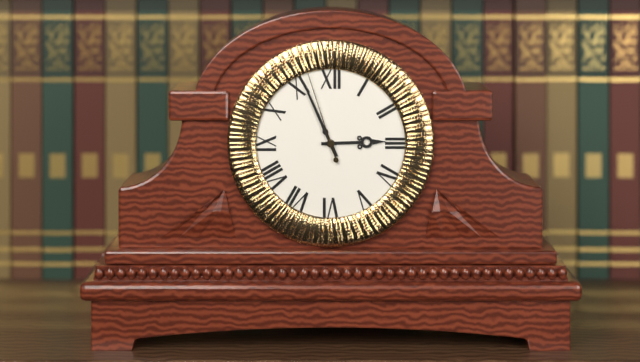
h=2 m=56 s=57
